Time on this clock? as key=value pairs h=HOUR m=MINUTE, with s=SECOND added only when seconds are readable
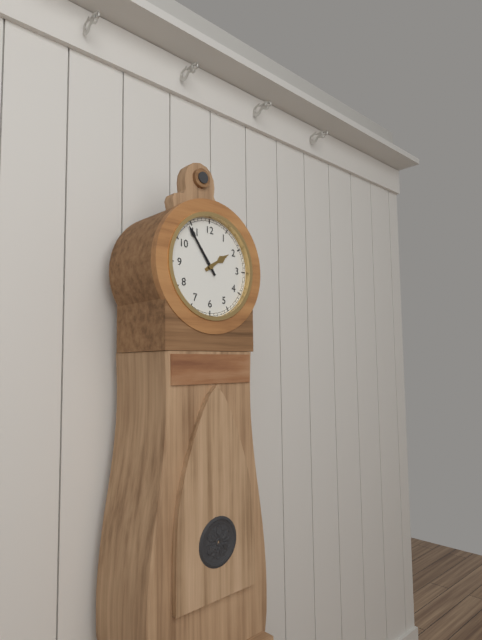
h=1 m=54
